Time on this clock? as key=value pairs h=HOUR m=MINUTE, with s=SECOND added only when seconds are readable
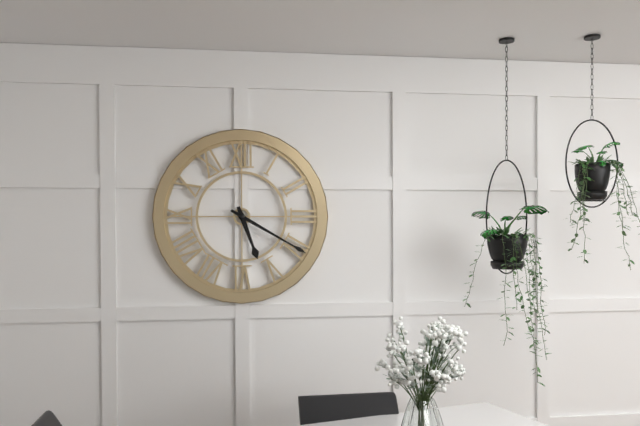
h=5 m=20
